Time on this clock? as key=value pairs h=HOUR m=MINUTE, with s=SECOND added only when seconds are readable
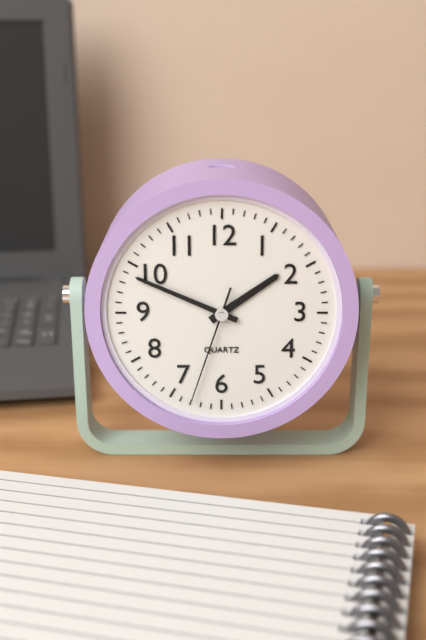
h=1 m=49 s=33
